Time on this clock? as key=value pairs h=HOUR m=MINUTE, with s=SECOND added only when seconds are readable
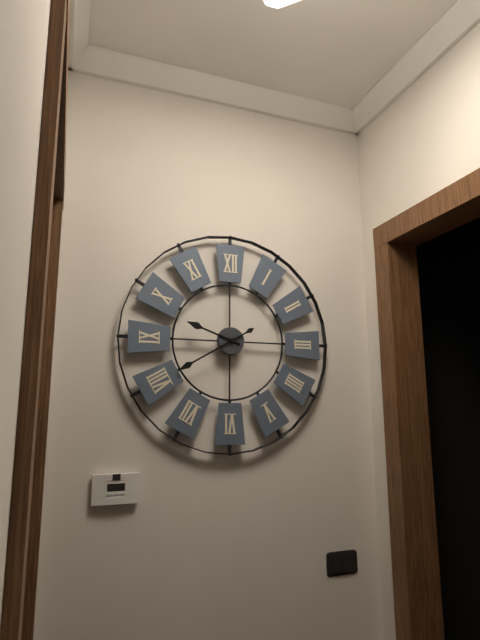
h=9 m=40
